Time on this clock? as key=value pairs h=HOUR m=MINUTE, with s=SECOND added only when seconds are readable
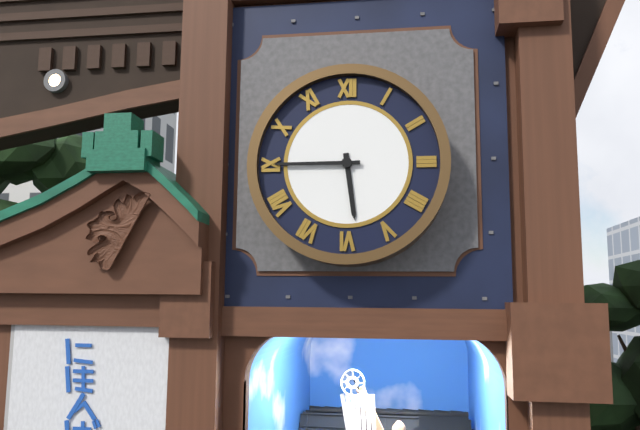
h=5 m=45
